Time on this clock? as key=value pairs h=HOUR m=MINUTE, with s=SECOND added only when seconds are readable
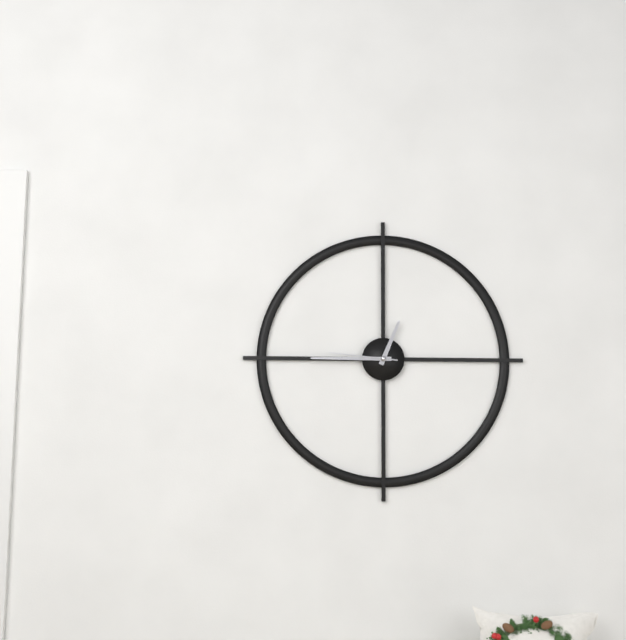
h=12 m=45 s=46
